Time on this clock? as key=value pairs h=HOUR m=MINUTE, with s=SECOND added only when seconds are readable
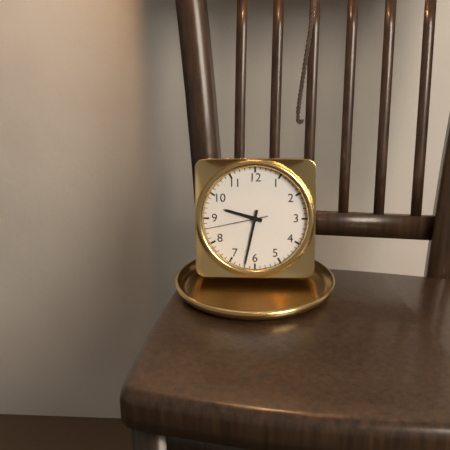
h=9 m=32 s=43
